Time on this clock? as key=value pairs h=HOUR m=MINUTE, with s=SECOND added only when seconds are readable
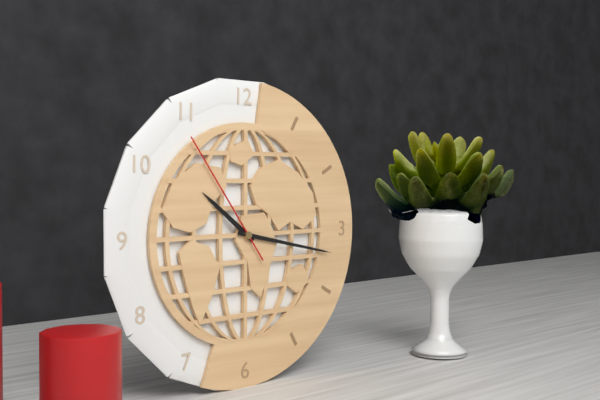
h=10 m=17 s=54
